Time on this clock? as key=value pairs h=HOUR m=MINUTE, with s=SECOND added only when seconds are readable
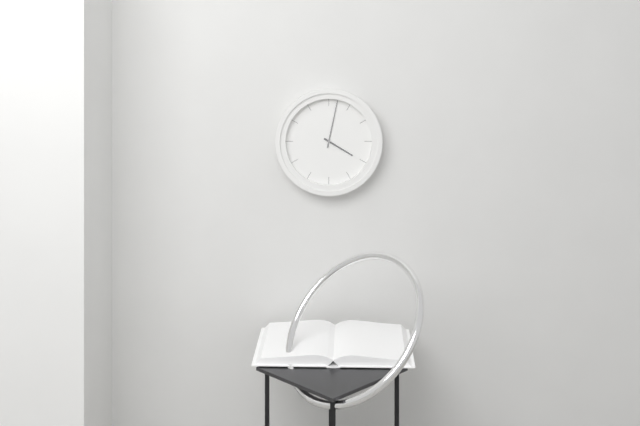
h=4 m=2
